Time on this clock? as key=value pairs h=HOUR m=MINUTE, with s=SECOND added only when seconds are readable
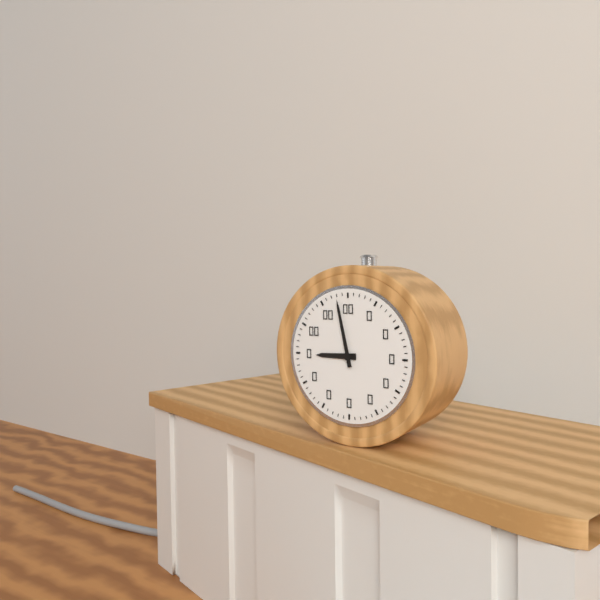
h=8 m=58
